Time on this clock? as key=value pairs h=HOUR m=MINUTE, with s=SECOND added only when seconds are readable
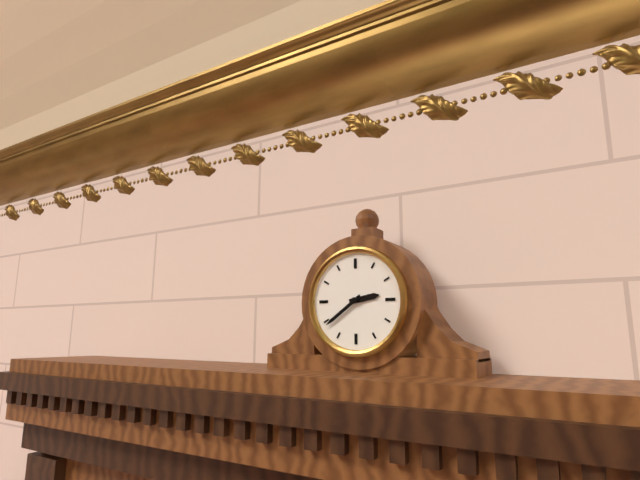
h=2 m=39
